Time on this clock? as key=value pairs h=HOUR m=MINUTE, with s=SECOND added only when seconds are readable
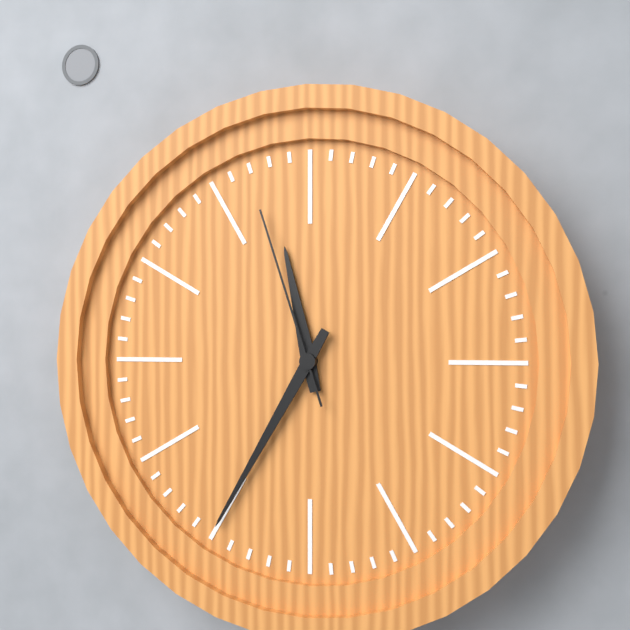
h=11 m=35 s=57
